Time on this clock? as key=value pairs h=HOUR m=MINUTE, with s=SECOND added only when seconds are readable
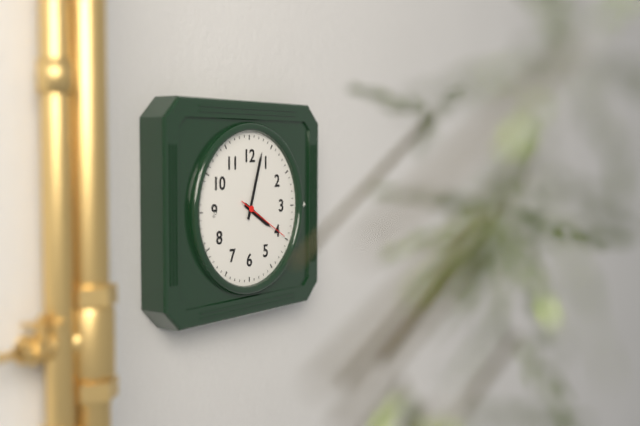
h=4 m=3 s=20
